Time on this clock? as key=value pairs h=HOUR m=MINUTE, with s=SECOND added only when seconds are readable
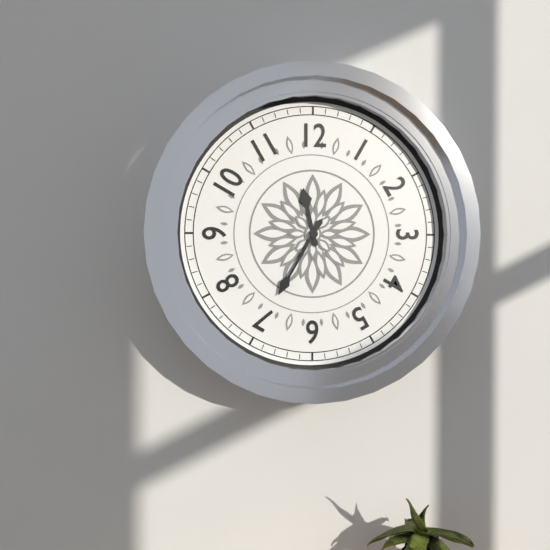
h=11 m=35
